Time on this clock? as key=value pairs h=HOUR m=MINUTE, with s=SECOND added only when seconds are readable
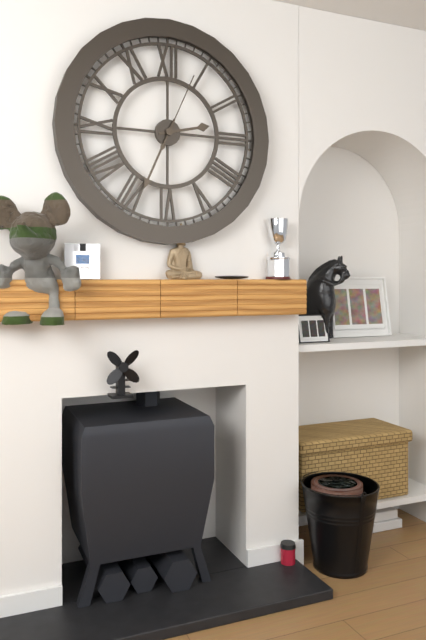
h=2 m=34 s=4
